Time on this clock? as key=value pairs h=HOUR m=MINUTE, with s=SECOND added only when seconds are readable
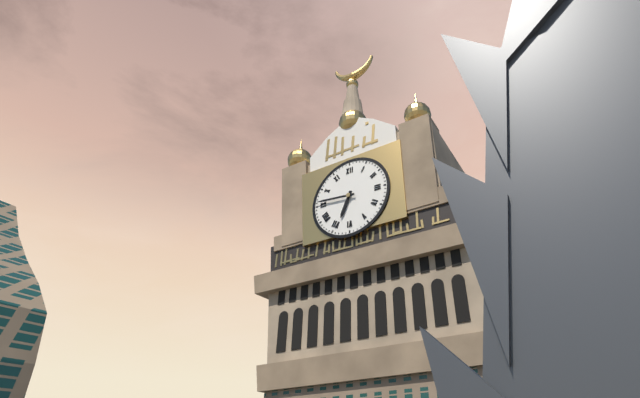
h=6 m=46
